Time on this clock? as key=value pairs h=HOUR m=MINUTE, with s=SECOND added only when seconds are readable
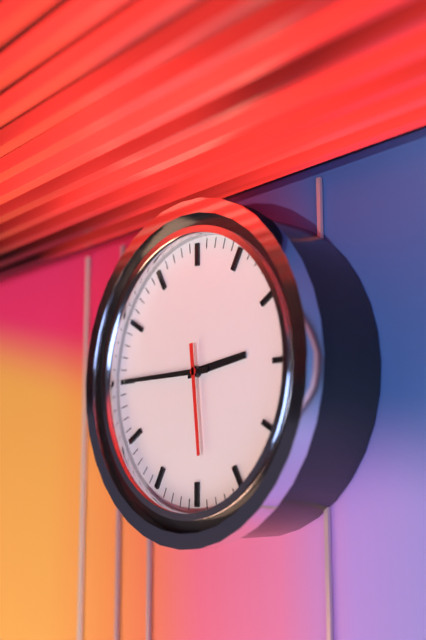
h=2 m=45 s=29
